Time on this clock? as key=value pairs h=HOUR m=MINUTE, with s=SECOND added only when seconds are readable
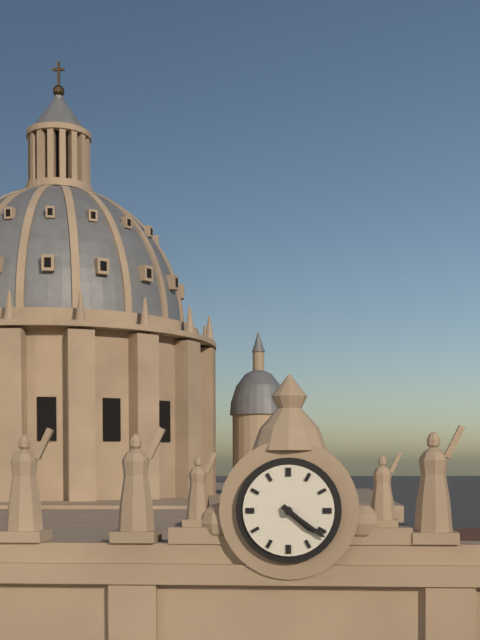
h=4 m=21
